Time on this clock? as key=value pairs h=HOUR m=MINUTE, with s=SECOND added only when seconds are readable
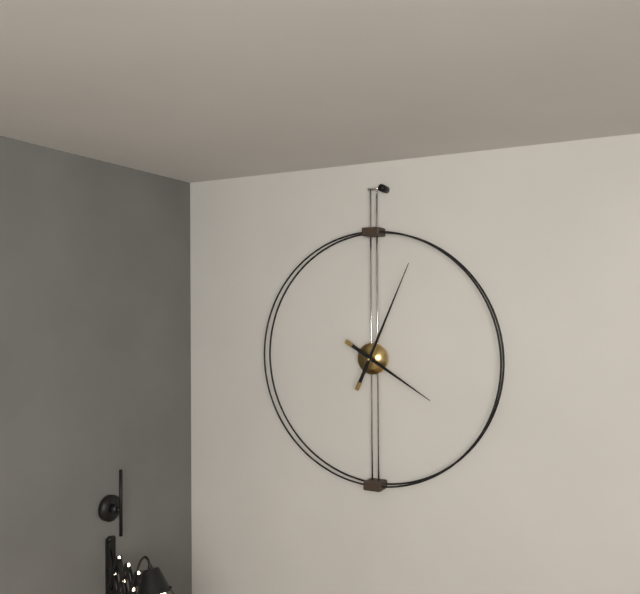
h=4 m=4
